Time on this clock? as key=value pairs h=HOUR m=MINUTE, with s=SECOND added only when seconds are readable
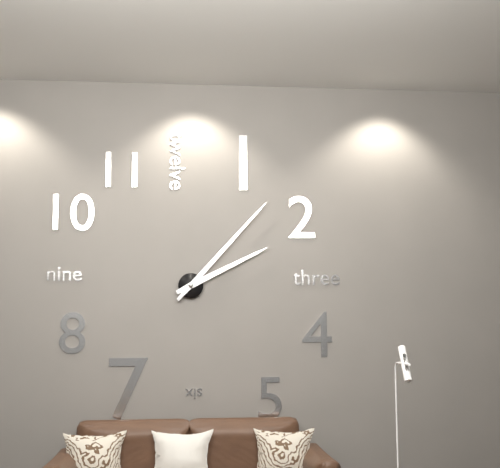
h=2 m=7
